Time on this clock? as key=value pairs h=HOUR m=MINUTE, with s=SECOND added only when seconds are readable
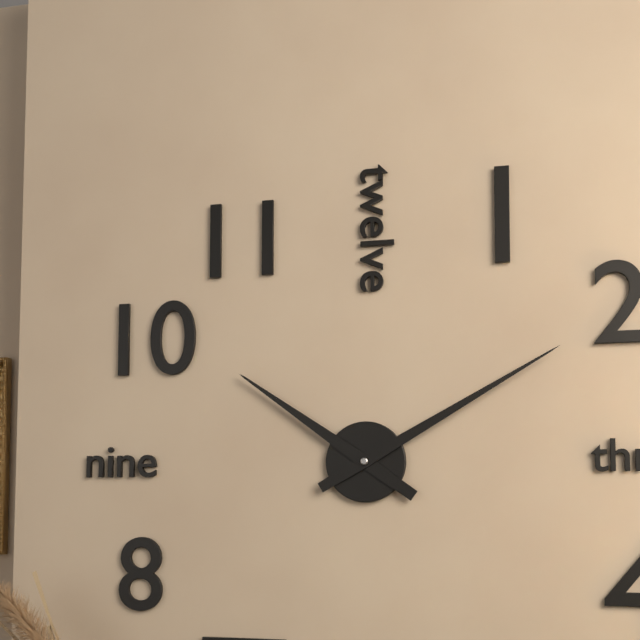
h=10 m=10
